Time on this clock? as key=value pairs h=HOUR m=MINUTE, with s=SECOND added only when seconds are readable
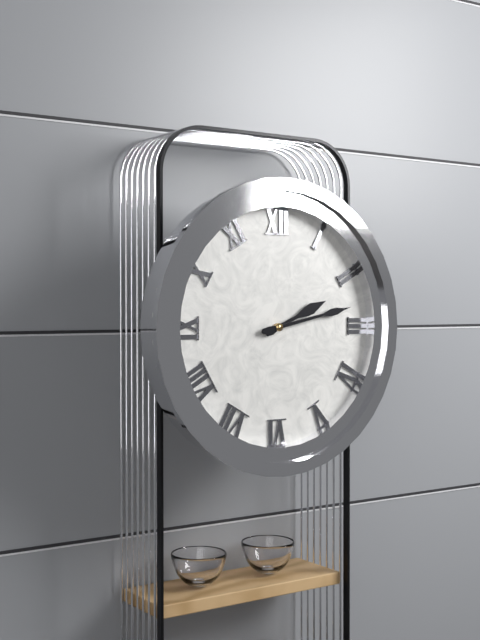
h=2 m=13
